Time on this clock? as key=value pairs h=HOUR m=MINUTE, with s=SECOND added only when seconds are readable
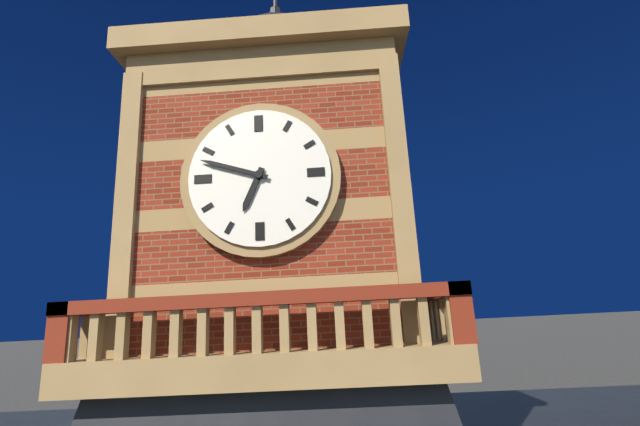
h=6 m=48
